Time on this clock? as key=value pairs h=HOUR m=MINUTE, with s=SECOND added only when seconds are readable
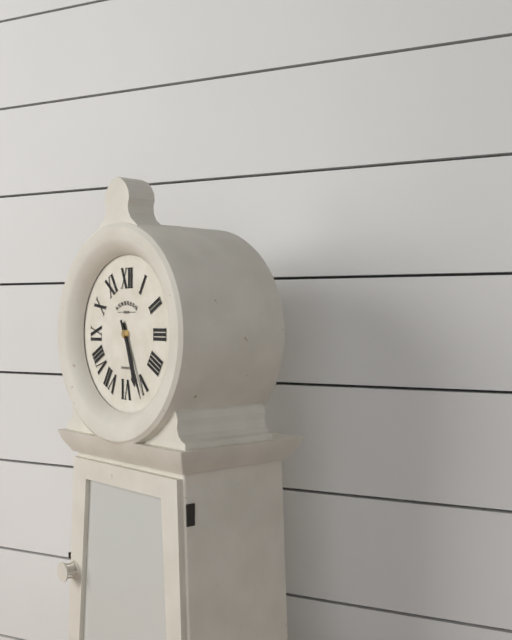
h=5 m=26
